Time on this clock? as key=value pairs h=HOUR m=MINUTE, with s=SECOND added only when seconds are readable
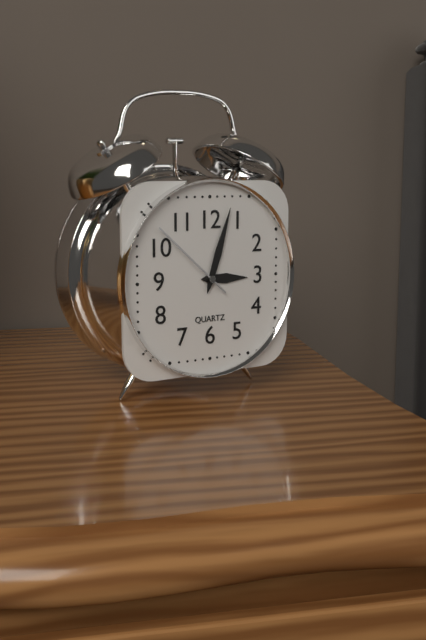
h=3 m=3 s=52
